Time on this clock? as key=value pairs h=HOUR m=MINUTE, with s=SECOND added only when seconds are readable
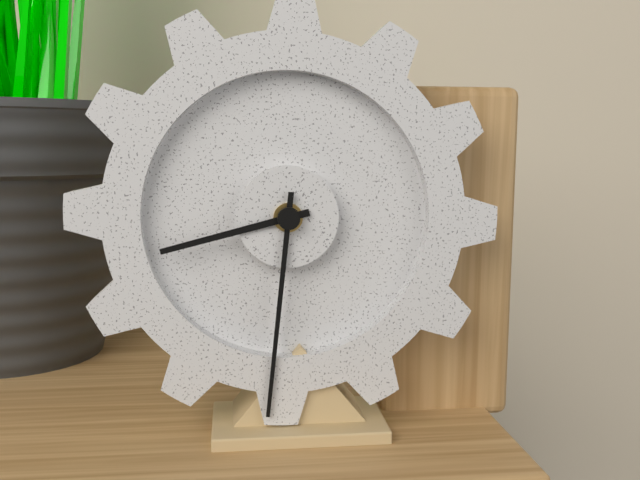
h=8 m=31
